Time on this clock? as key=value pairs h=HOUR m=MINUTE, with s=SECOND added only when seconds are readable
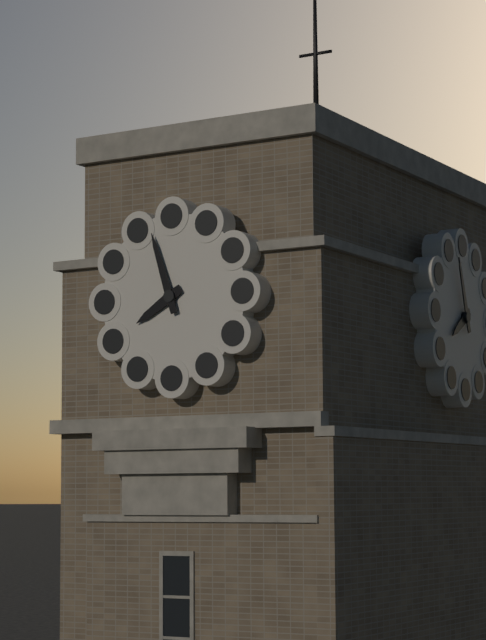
h=7 m=57
